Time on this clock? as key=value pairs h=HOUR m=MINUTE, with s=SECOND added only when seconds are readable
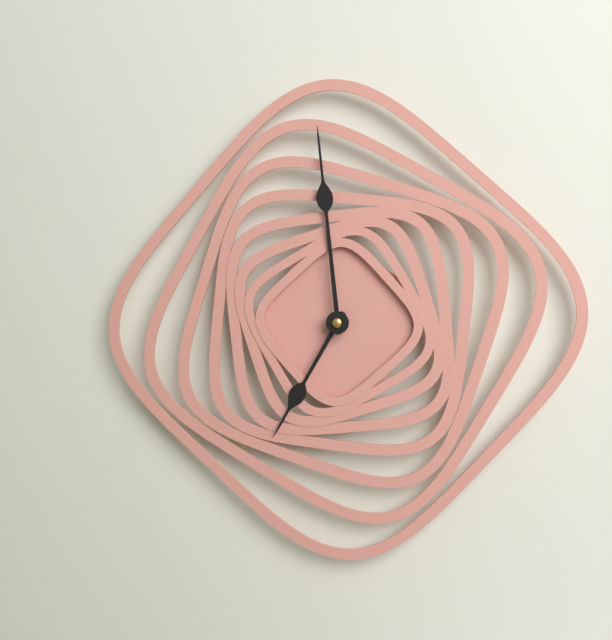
h=6 m=59
